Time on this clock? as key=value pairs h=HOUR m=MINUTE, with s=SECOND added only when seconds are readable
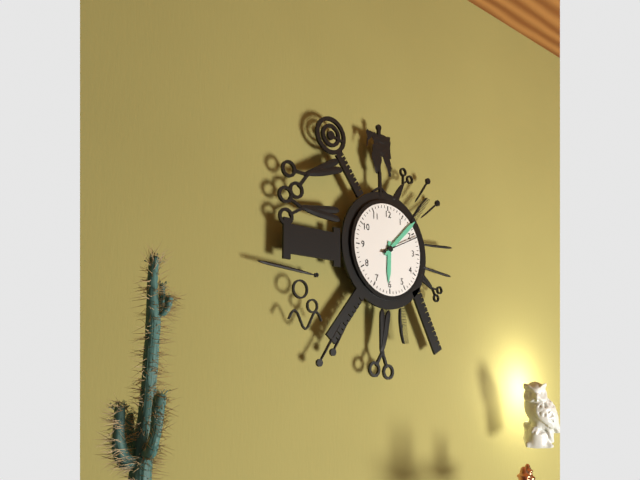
h=6 m=8 s=11
